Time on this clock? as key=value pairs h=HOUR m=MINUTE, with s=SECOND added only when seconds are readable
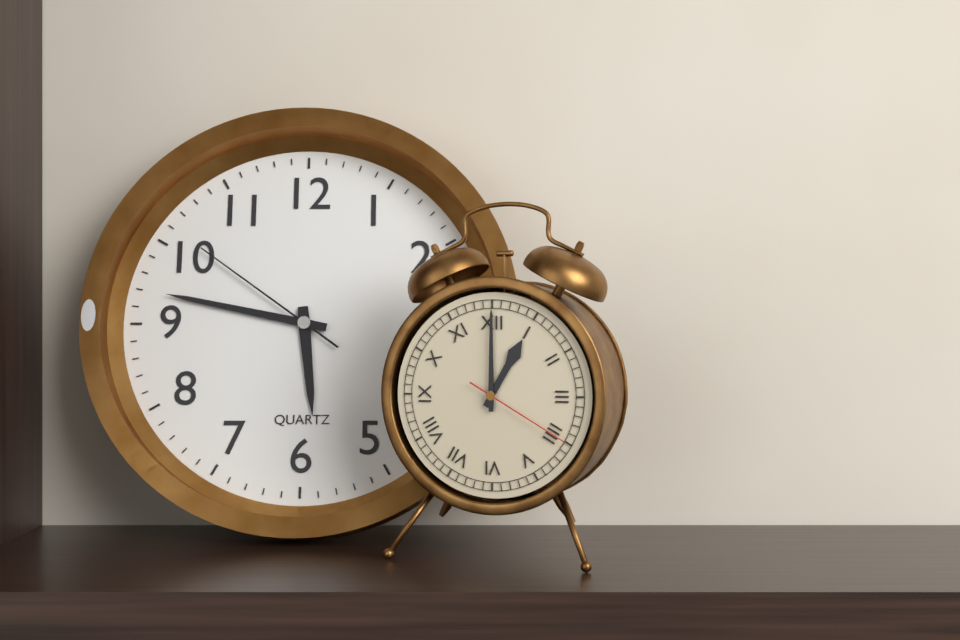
h=5 m=47 s=51
